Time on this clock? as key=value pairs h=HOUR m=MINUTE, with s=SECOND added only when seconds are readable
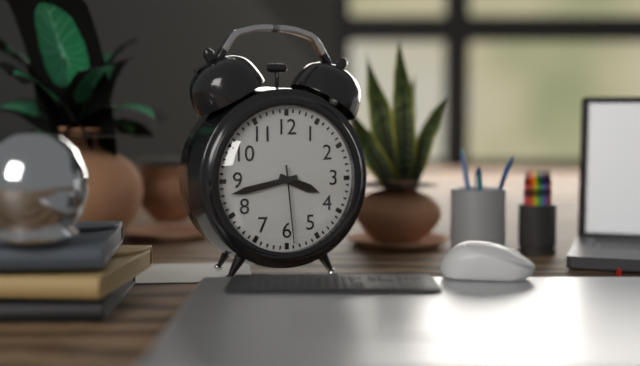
h=3 m=43 s=29
